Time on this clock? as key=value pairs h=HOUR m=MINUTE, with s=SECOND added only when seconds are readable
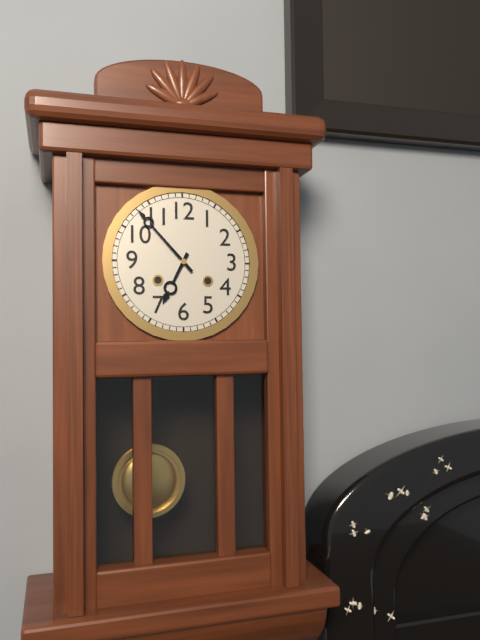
h=6 m=53
